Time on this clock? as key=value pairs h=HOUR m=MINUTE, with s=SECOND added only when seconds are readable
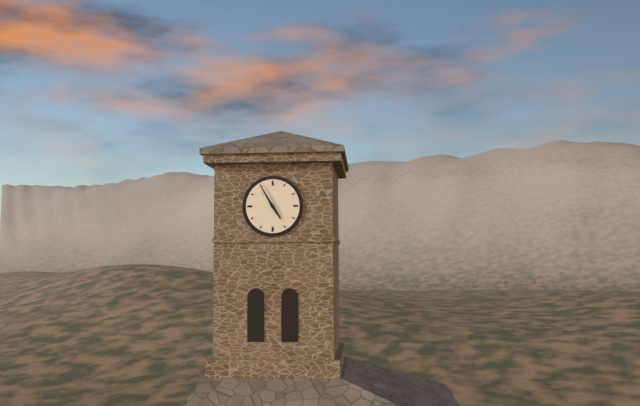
h=4 m=55
